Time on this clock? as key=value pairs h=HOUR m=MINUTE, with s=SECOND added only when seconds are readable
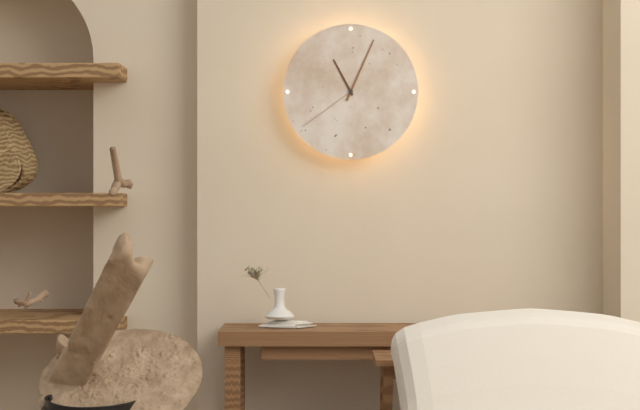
h=11 m=4 s=39
